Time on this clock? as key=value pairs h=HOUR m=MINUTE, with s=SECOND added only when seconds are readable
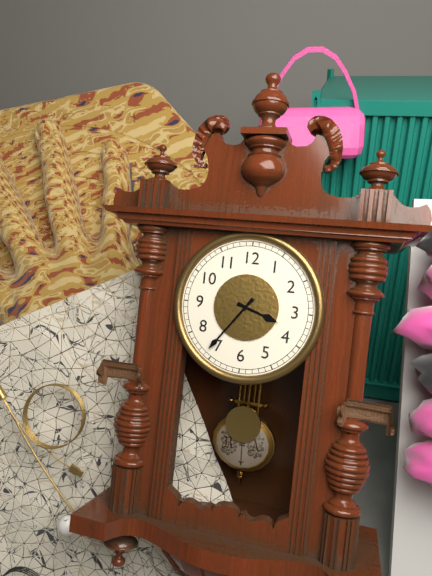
h=3 m=36
